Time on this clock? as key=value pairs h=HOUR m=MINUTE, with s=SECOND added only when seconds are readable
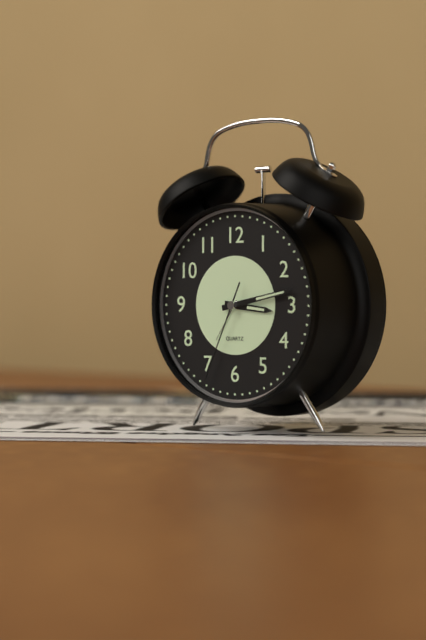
h=3 m=13 s=34
